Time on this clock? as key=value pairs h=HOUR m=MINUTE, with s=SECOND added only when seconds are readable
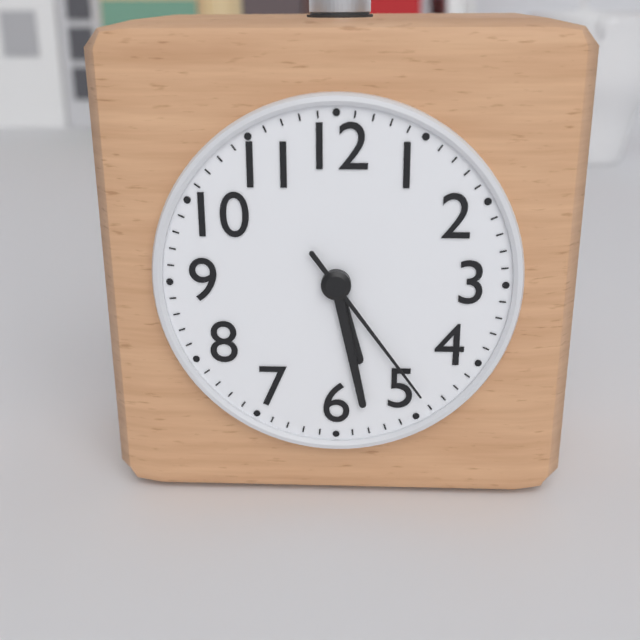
h=5 m=28 s=24
